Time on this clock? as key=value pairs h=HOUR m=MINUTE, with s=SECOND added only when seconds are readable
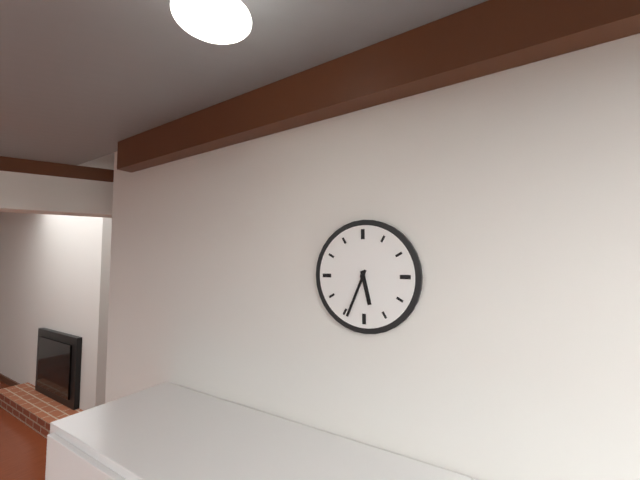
h=5 m=34
